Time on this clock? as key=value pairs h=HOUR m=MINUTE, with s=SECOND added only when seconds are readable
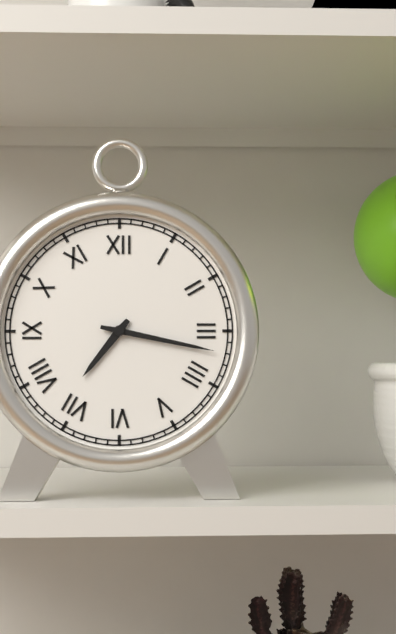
h=7 m=17
